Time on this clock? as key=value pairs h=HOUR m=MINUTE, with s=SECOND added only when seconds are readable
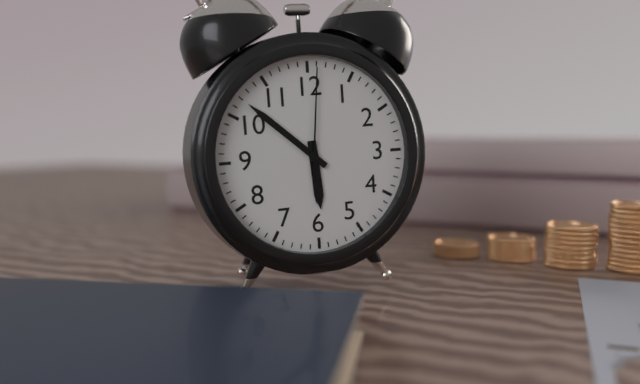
h=5 m=52 s=1
